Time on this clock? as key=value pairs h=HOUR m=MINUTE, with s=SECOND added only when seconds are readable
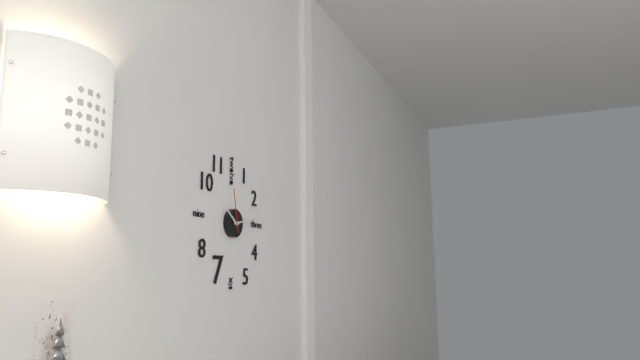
h=10 m=13
